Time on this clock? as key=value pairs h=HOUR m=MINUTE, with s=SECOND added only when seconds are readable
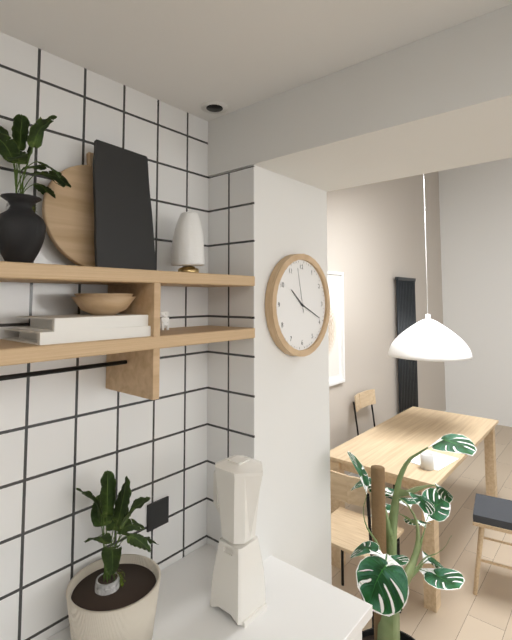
h=10 m=19
